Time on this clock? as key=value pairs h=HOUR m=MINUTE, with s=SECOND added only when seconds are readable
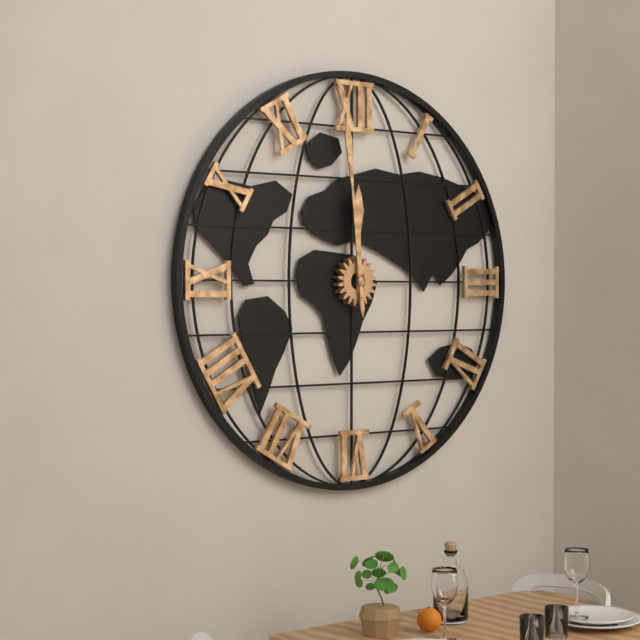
h=11 m=59
